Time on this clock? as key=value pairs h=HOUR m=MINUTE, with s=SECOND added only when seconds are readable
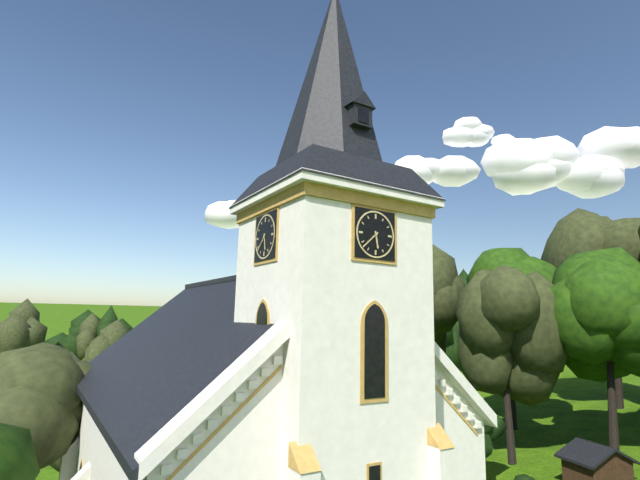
h=5 m=38
